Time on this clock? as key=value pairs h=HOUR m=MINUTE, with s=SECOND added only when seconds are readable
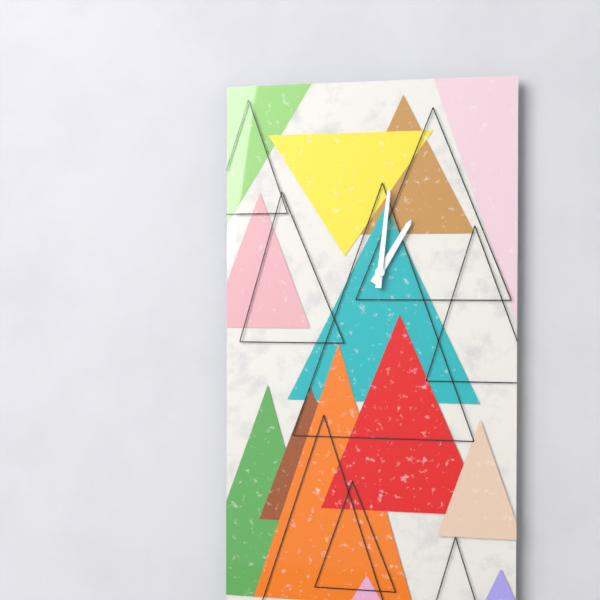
h=1 m=1
